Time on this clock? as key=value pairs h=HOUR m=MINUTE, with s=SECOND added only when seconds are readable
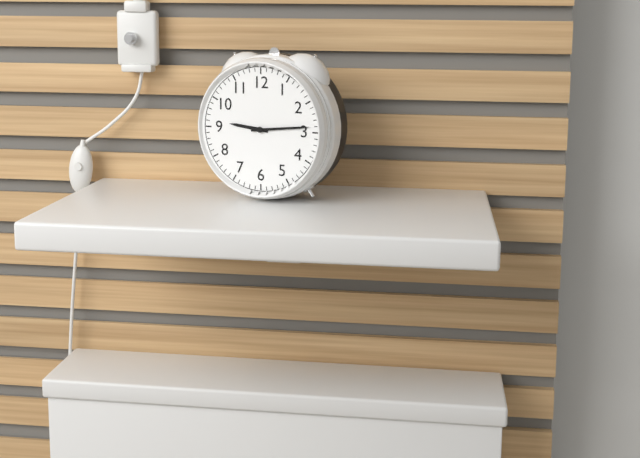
h=9 m=14
